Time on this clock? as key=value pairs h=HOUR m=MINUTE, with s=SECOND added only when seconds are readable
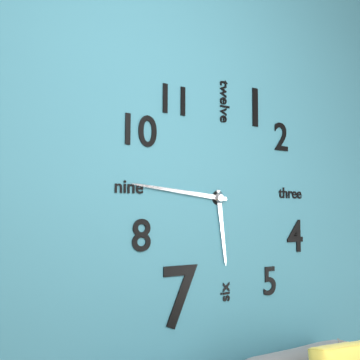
h=5 m=46
